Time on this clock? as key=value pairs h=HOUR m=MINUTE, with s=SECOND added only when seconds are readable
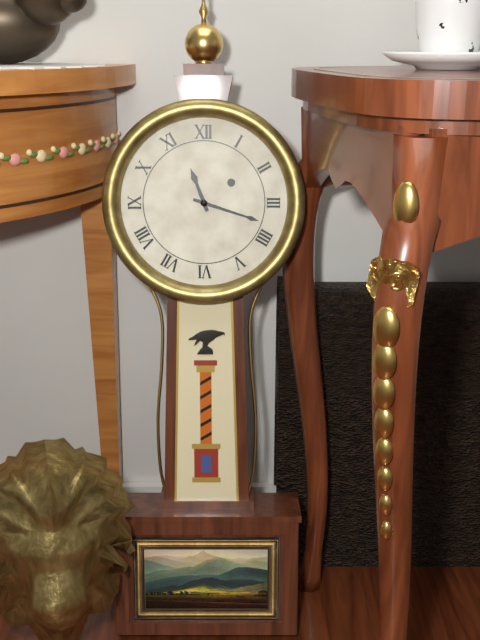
h=11 m=18
